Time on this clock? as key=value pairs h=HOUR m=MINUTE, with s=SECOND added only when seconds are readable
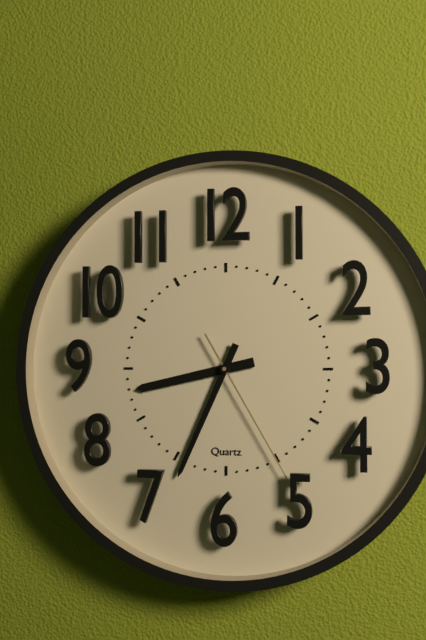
h=8 m=34 s=25
